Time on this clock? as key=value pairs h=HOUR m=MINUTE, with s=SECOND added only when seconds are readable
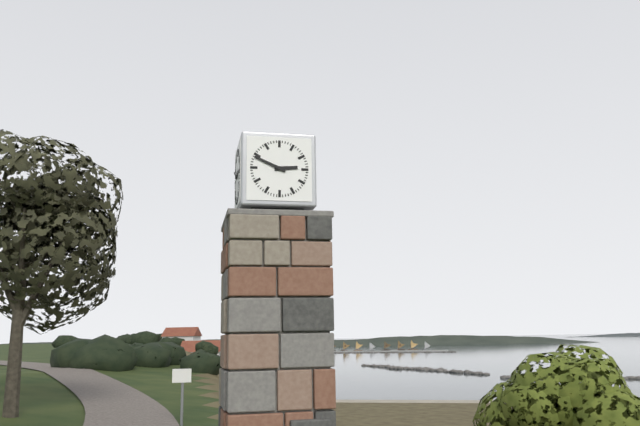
h=2 m=49
